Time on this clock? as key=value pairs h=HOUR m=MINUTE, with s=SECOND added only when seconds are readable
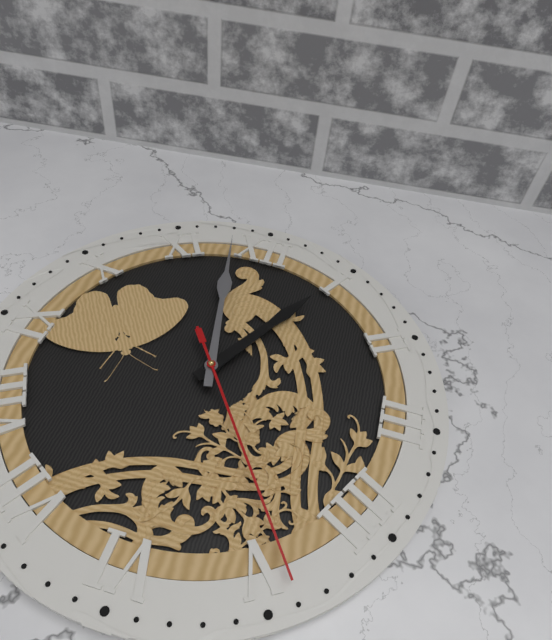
h=12 m=58 s=24
